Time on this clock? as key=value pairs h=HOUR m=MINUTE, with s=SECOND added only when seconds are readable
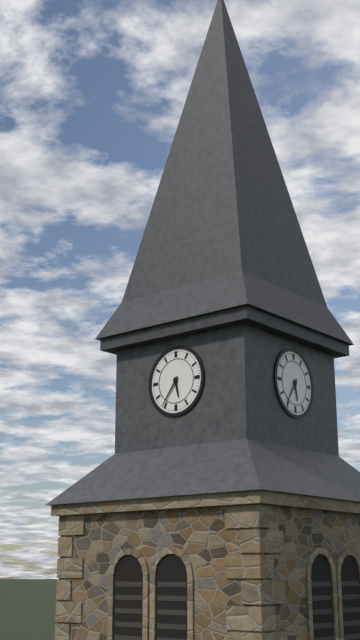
h=5 m=36
